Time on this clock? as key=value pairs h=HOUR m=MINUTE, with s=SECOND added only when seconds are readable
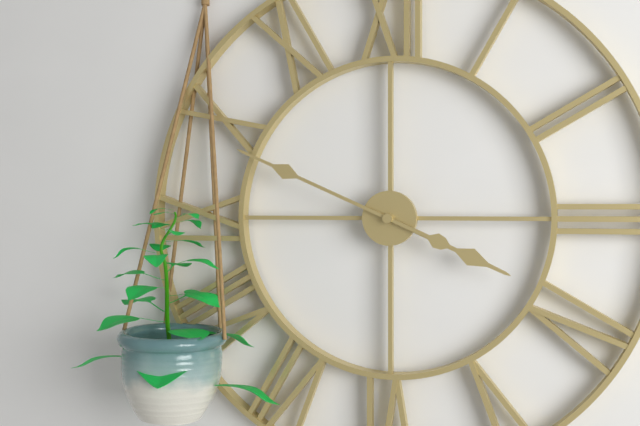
h=3 m=49
